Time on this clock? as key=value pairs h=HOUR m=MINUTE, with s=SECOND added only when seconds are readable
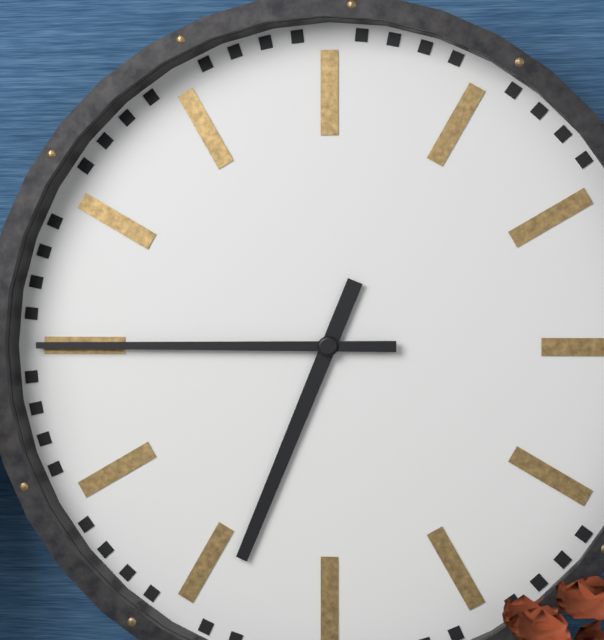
h=6 m=45
